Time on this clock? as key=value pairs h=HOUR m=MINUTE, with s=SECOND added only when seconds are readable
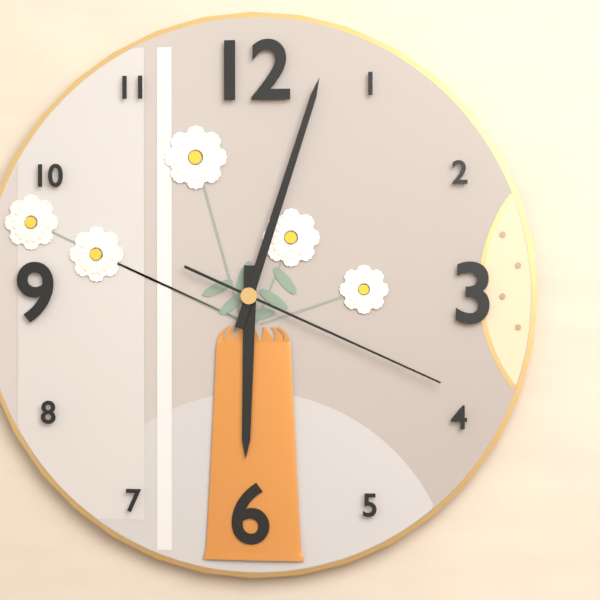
h=6 m=3 s=19
